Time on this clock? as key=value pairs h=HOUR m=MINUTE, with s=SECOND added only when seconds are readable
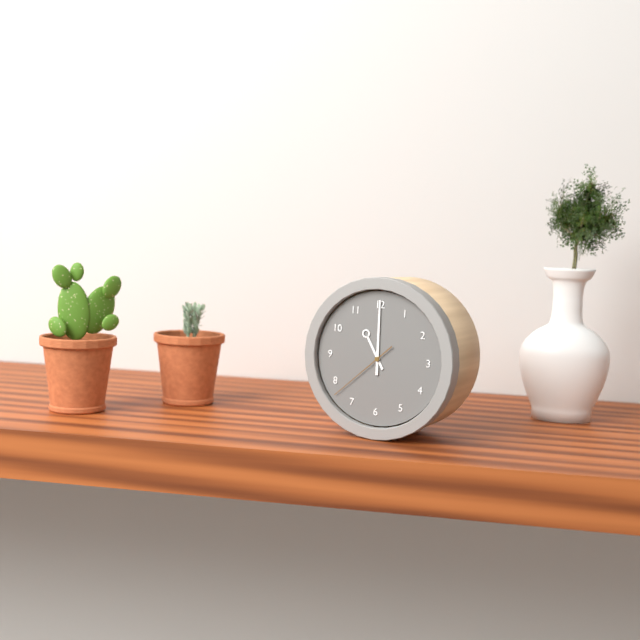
h=11 m=0 s=38
